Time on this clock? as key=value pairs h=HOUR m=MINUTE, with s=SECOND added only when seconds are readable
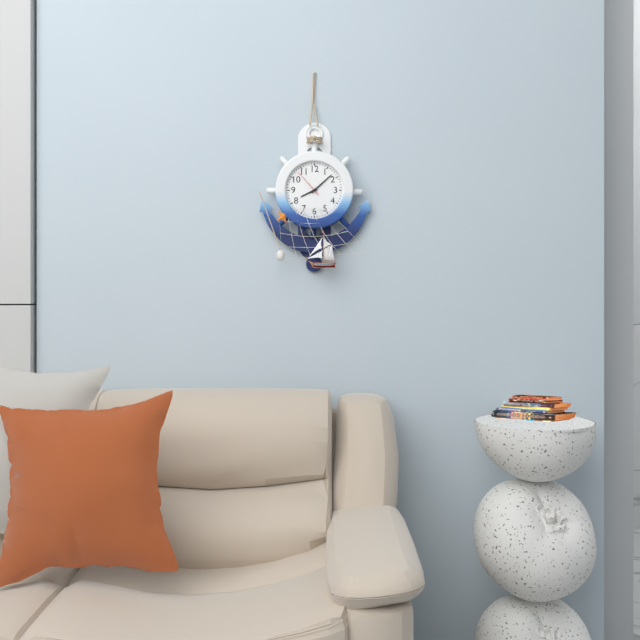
h=8 m=8
